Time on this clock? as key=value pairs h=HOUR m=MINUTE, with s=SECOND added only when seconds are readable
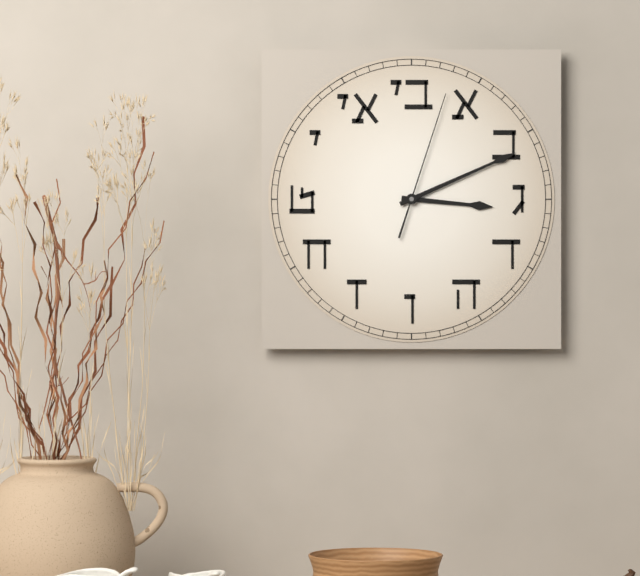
h=3 m=11 s=3
